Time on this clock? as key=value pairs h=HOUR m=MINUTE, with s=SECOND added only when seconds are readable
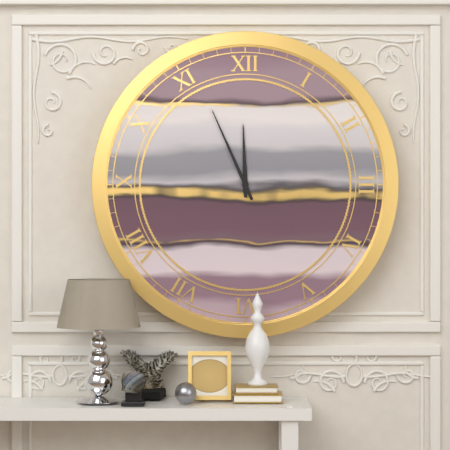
h=11 m=56
